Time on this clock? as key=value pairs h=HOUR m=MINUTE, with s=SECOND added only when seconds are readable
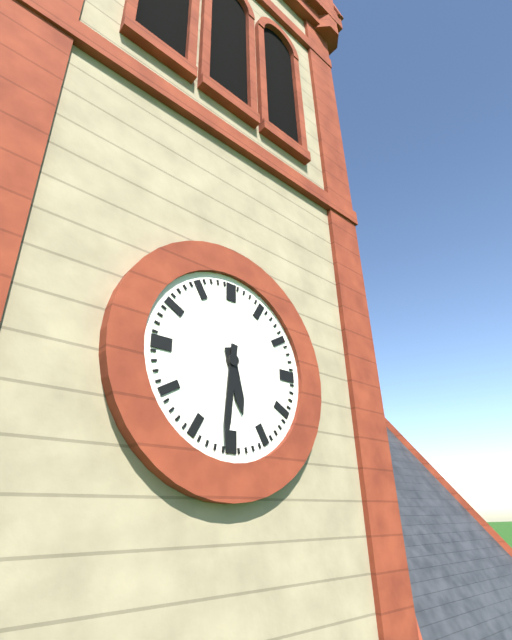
h=5 m=31
